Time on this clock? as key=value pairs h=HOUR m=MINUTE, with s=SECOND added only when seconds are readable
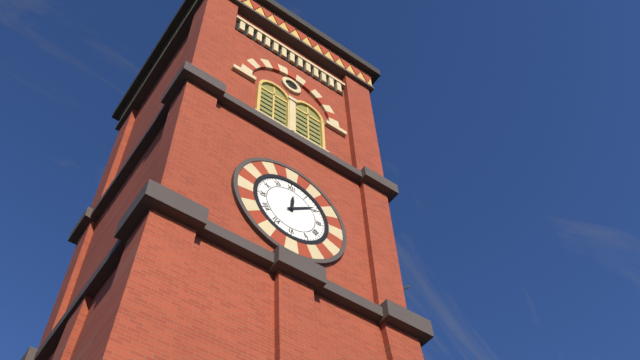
h=12 m=9
